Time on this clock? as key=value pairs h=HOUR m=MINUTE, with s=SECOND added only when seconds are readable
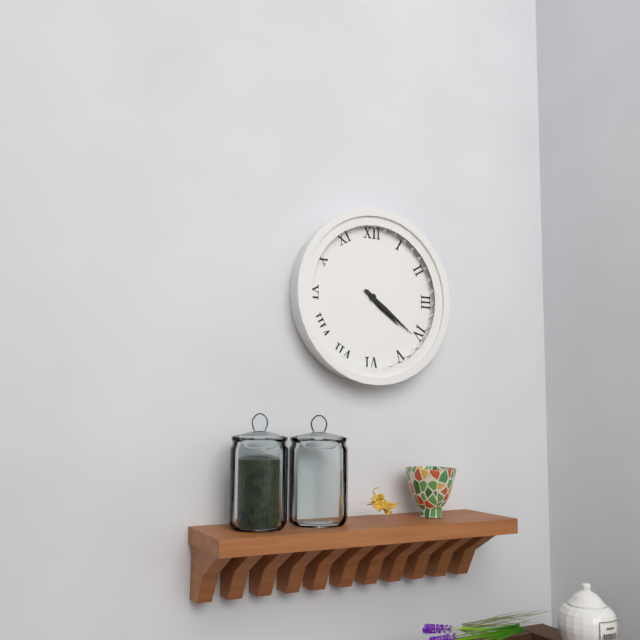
h=4 m=21
